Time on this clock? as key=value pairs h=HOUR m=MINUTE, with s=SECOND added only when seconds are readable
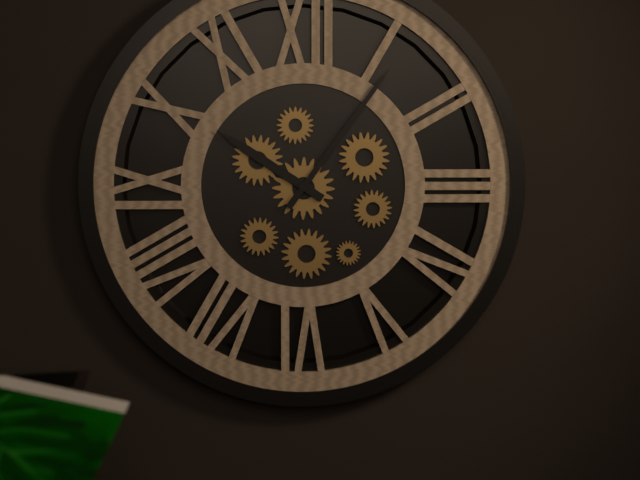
h=10 m=6
